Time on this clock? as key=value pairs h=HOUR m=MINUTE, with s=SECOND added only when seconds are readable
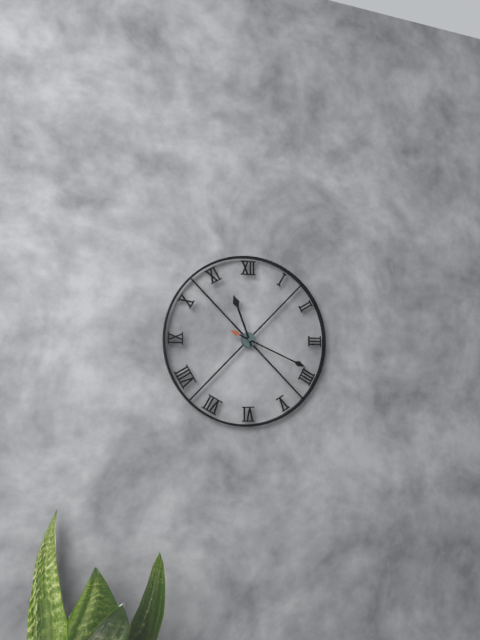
h=11 m=19
